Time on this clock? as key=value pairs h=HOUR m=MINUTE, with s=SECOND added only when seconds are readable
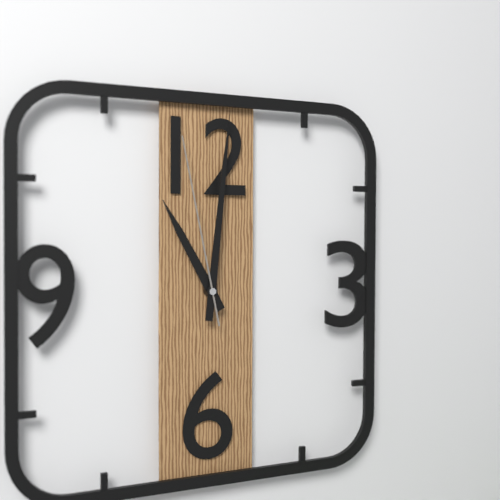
h=11 m=1 s=58
